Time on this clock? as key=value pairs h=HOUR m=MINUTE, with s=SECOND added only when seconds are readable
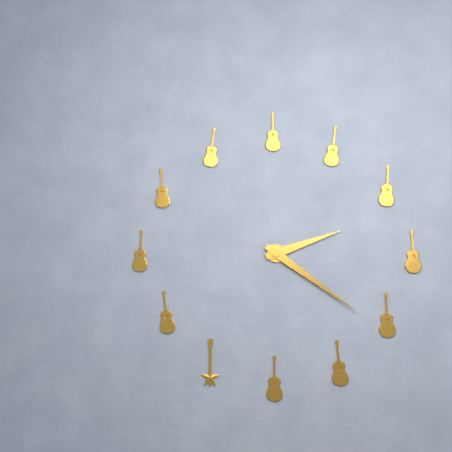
h=2 m=21
